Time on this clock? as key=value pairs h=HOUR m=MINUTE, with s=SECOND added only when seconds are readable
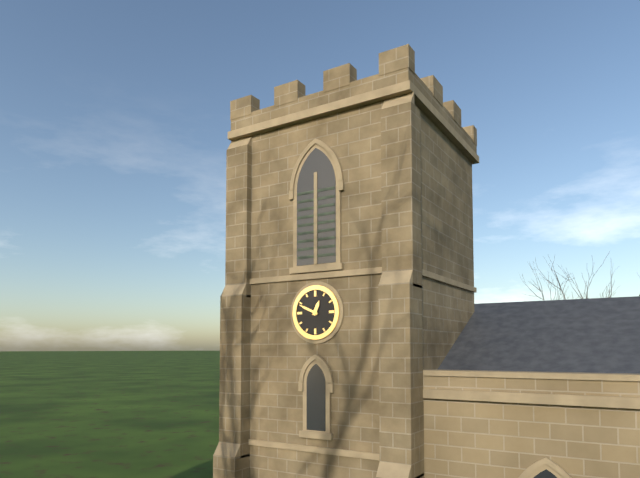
h=12 m=49
